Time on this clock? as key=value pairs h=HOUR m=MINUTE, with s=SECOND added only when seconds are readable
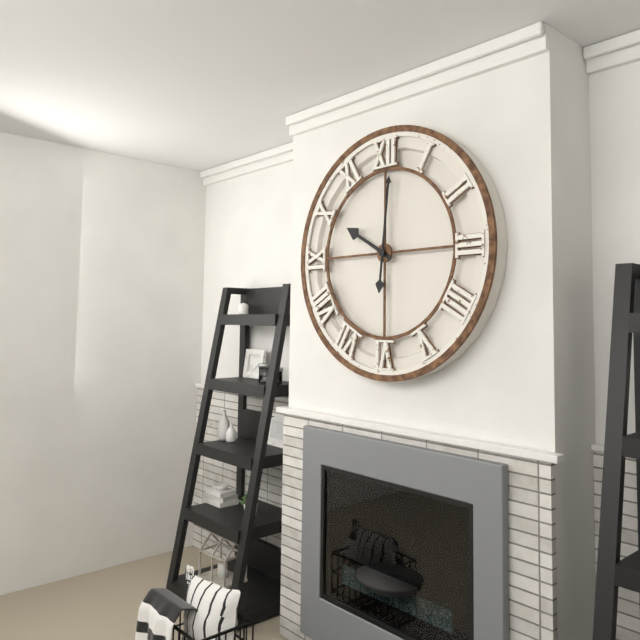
h=10 m=1
